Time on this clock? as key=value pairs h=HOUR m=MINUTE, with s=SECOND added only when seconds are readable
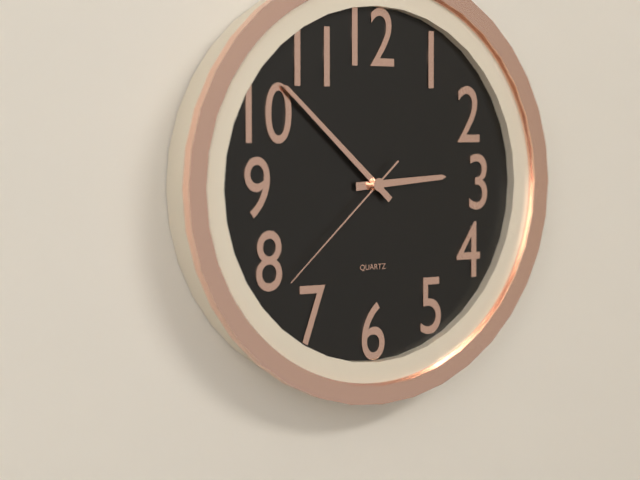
h=2 m=52 s=38
